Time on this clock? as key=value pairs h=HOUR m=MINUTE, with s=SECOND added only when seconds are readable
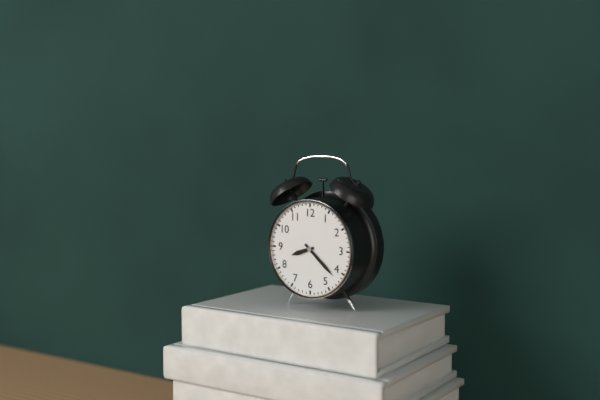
h=8 m=22
